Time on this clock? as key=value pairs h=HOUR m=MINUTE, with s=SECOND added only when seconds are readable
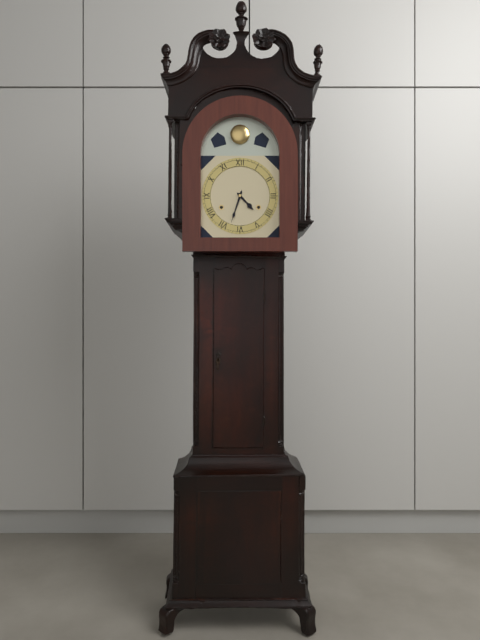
h=4 m=33
